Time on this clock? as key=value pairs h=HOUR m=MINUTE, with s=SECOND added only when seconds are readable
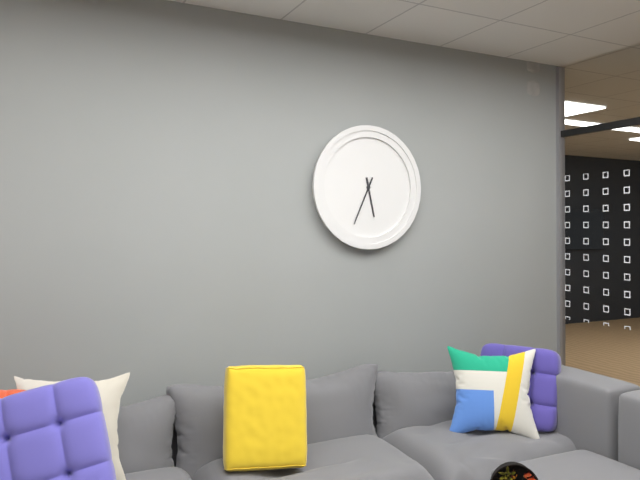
h=5 m=34
